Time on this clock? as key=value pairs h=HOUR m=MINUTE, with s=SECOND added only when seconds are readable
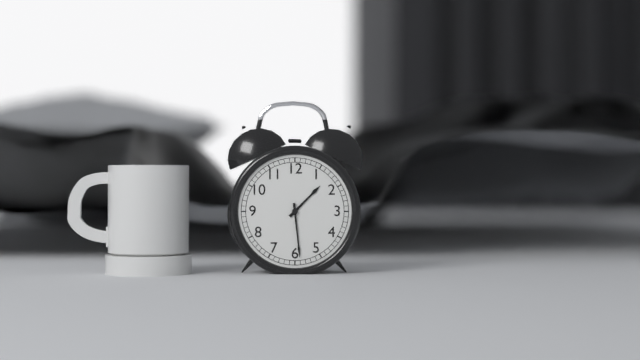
h=1 m=29
